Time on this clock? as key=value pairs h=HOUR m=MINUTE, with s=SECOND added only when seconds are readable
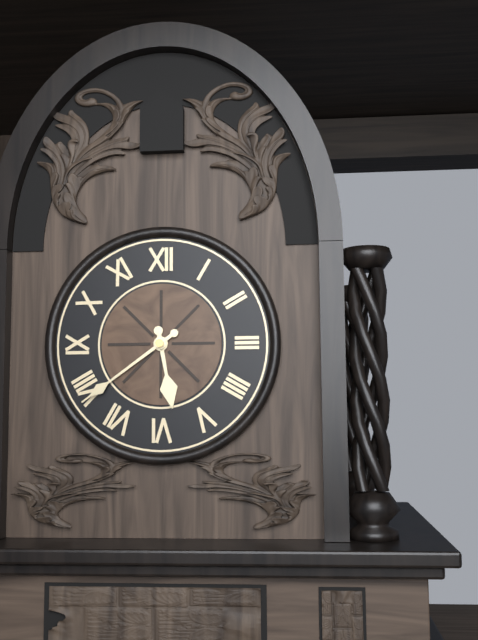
h=5 m=39
